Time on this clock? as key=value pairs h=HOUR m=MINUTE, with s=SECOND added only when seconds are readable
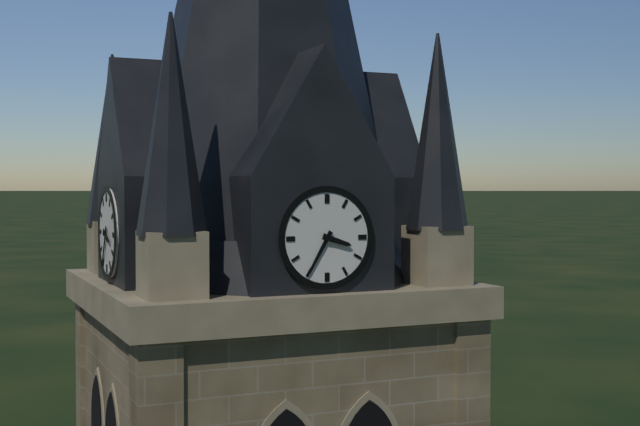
h=3 m=35
